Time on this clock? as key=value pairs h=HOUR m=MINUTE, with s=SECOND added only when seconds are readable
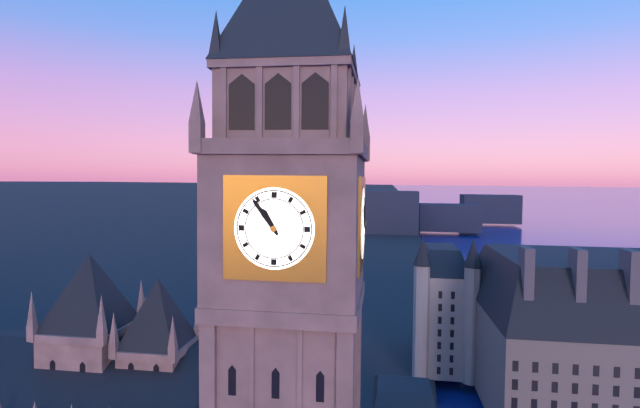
h=10 m=54
